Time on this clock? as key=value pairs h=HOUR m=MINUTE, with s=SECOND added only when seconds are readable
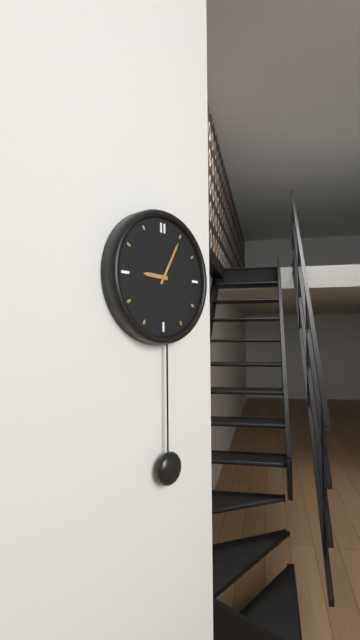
h=9 m=5
